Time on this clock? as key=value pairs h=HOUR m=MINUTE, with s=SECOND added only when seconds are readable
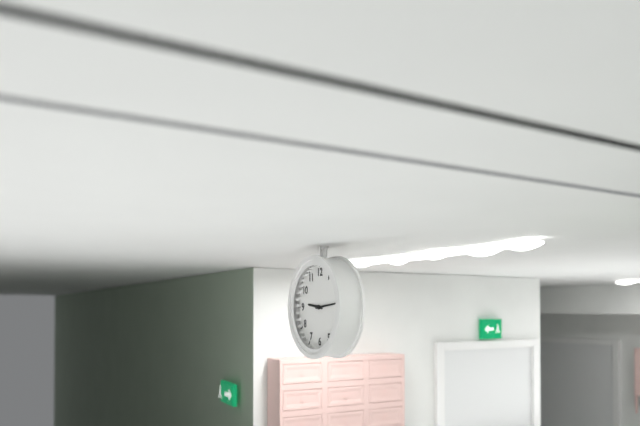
h=9 m=14
